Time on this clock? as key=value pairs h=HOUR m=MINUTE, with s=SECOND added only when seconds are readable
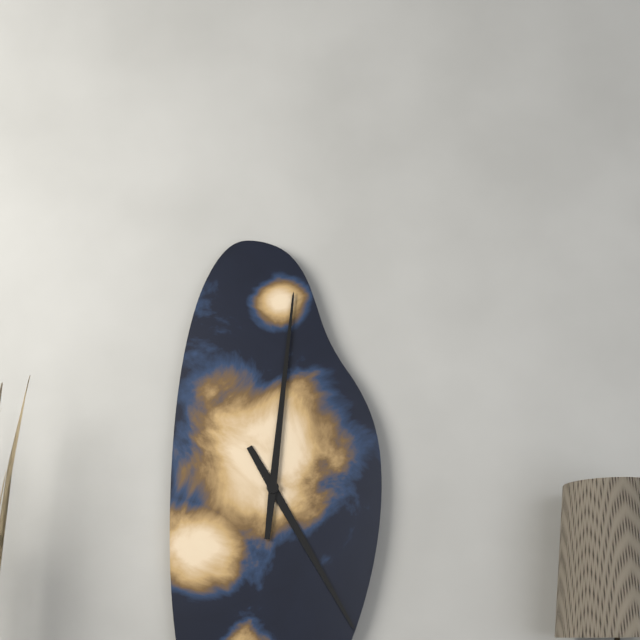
h=5 m=1
